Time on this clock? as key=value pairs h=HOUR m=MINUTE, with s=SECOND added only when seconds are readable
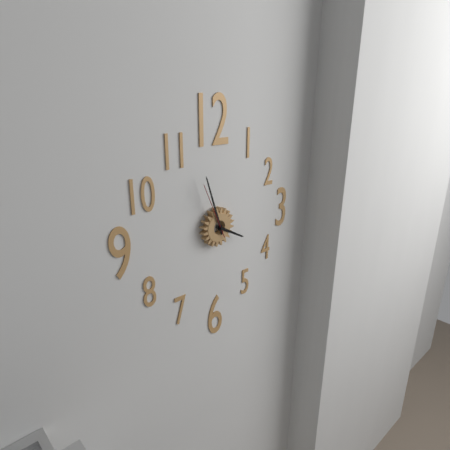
h=3 m=57 s=56
